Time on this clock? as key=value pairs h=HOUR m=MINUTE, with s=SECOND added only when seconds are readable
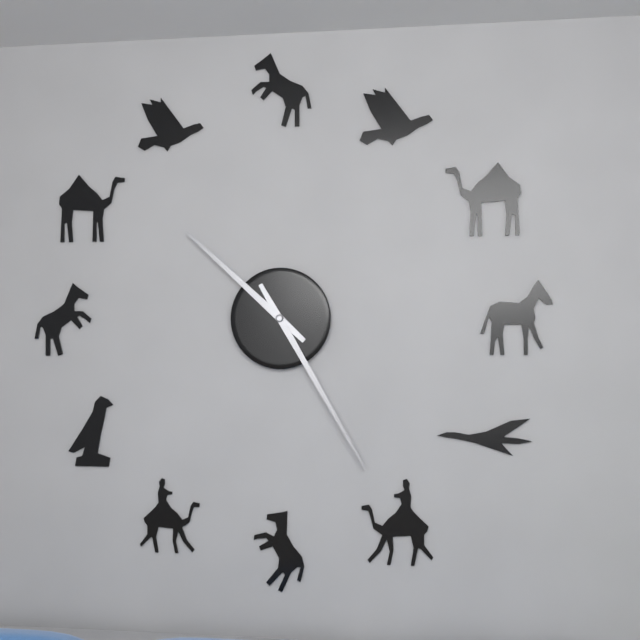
h=10 m=25
